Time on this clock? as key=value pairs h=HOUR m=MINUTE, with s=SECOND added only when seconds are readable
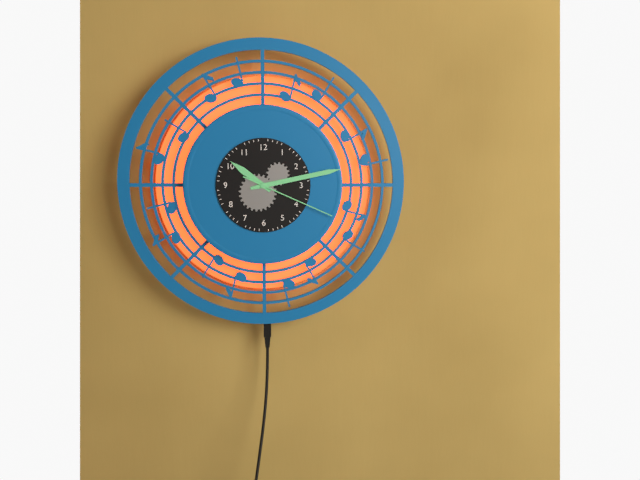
h=10 m=13 s=19
